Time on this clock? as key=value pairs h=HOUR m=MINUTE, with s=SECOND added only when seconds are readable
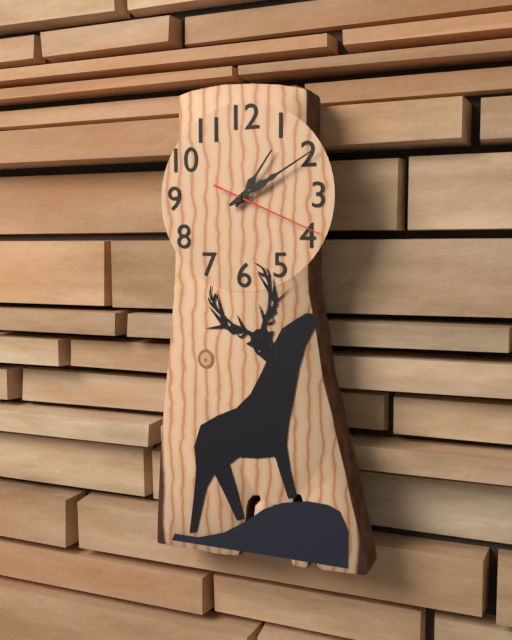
h=1 m=10 s=19
